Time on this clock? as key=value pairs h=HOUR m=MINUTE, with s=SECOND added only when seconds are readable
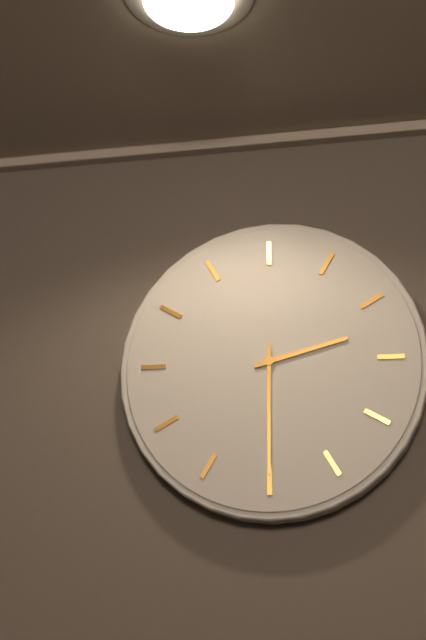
h=2 m=30
